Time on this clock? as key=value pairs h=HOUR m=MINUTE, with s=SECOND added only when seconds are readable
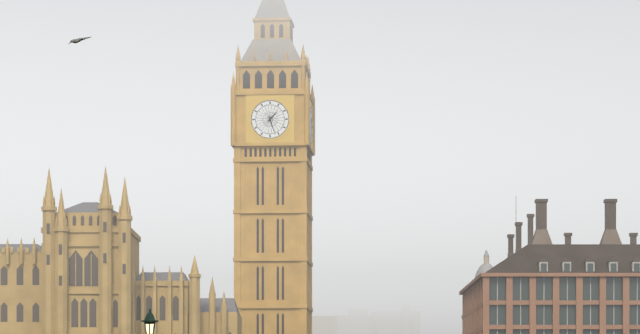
h=1 m=27
